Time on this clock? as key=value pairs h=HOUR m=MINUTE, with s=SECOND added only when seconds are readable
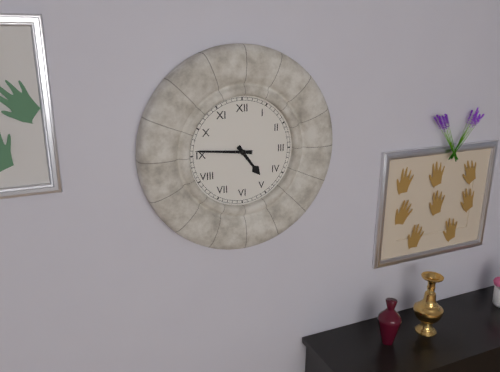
h=4 m=46
